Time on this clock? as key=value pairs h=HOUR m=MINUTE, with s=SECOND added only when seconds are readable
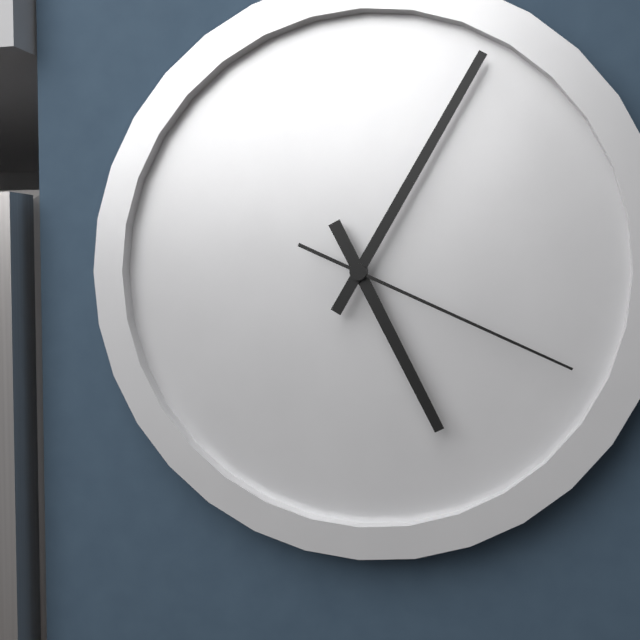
h=5 m=5 s=19
